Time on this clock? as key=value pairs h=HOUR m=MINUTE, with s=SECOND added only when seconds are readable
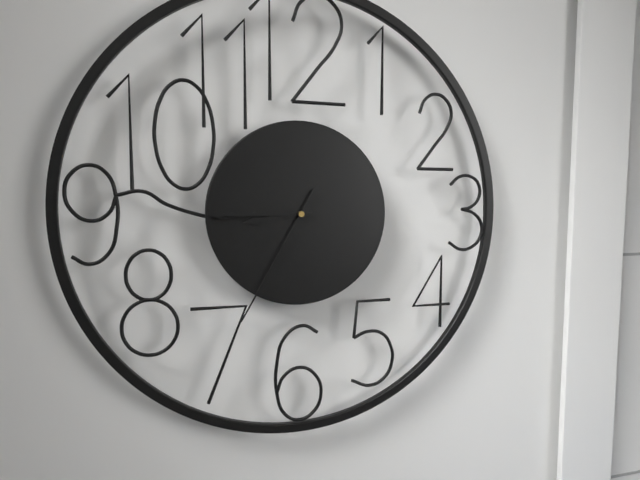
h=8 m=45 s=35
